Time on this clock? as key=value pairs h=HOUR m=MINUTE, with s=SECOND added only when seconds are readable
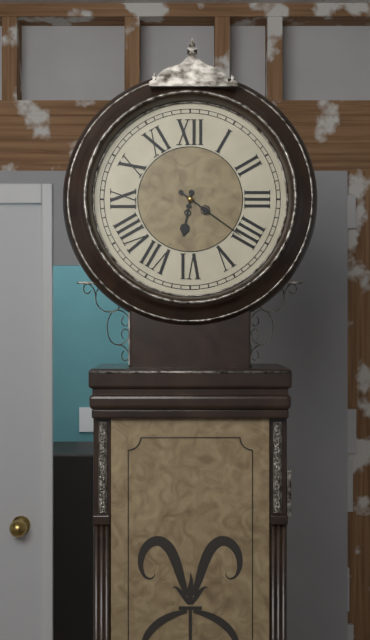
h=6 m=21
